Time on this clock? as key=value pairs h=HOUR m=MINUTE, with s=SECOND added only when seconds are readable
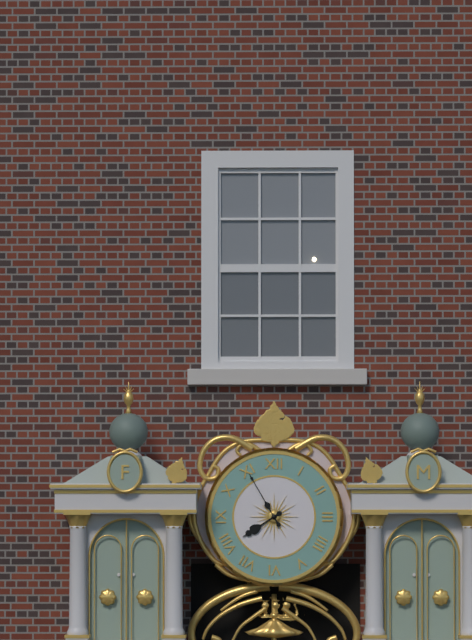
h=7 m=55
